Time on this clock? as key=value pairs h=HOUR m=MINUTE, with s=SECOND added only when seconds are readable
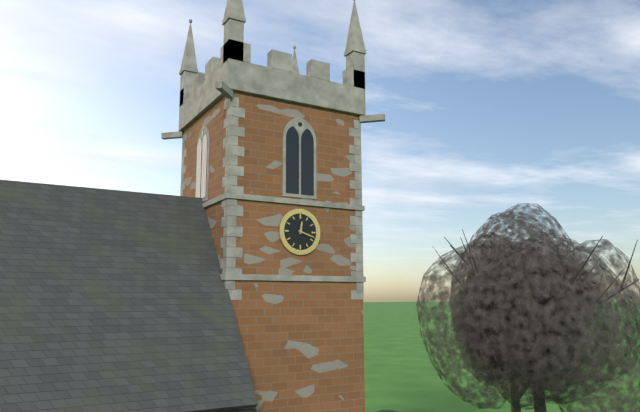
h=12 m=18
